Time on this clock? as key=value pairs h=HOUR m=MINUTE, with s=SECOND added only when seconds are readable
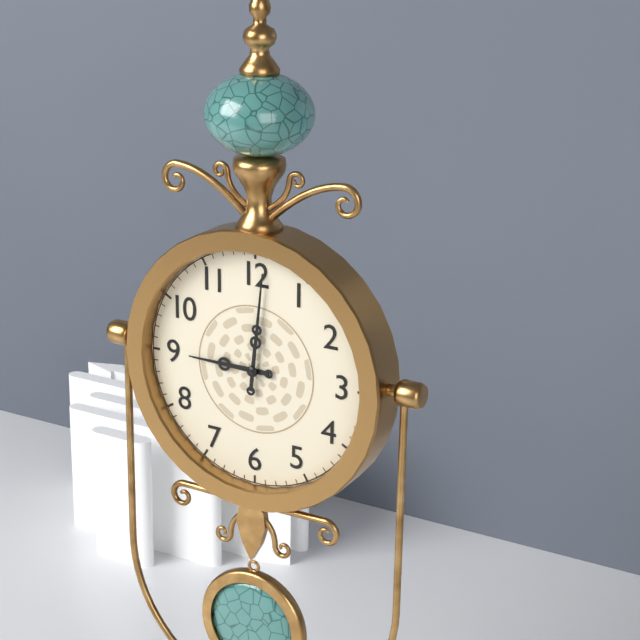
h=9 m=1
